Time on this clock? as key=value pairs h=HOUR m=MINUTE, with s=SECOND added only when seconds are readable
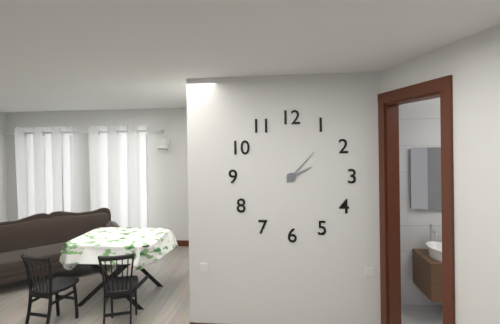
h=2 m=7
